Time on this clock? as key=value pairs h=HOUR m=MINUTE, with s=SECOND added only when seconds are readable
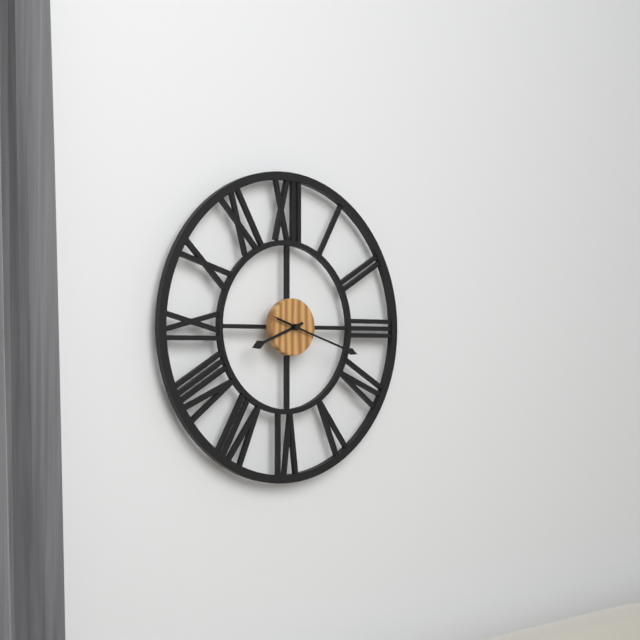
h=8 m=18
